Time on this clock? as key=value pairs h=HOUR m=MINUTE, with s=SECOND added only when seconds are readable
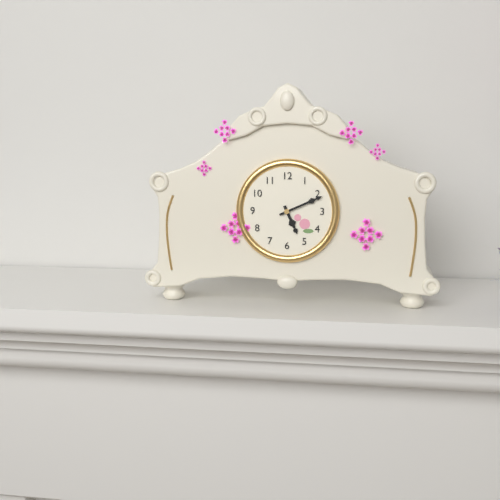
h=5 m=11
